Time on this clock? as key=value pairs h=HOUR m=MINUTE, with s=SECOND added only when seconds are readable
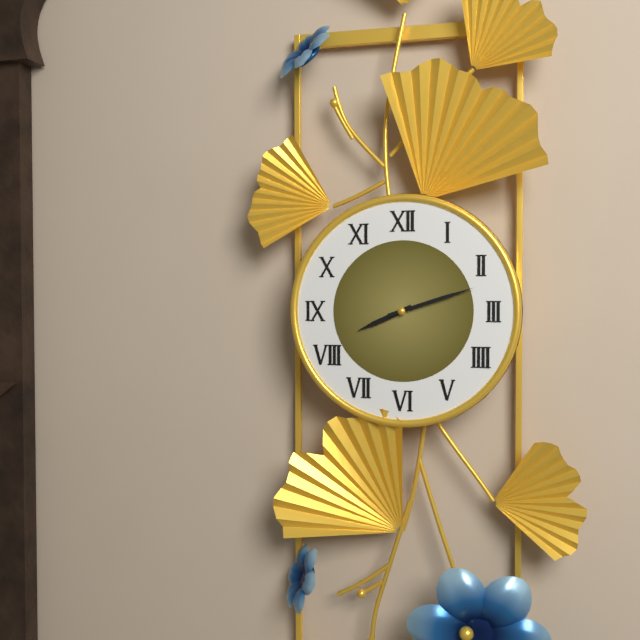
h=8 m=12
